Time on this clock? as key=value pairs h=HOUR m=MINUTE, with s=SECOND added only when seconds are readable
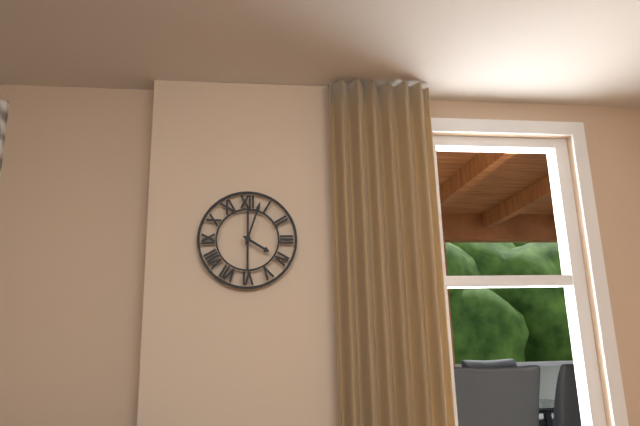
h=4 m=3
